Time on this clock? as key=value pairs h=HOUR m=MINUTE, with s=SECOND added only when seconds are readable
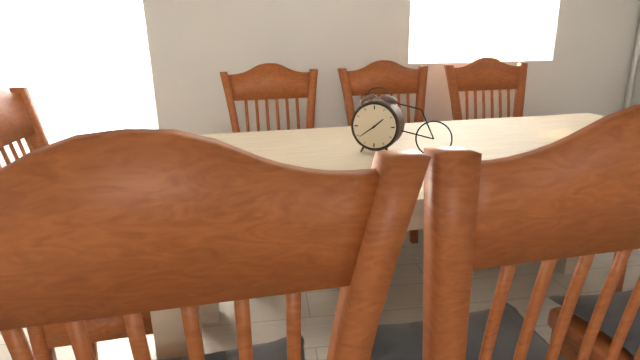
h=1 m=39
